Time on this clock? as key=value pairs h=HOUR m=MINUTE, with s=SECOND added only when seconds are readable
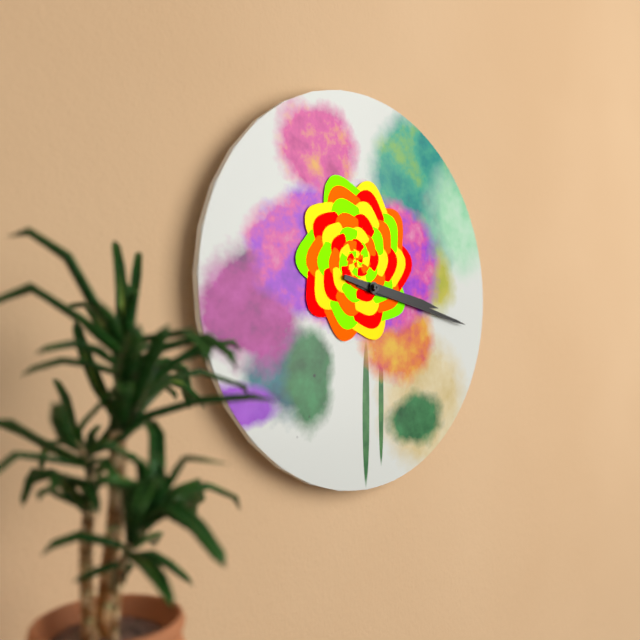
h=3 m=17
